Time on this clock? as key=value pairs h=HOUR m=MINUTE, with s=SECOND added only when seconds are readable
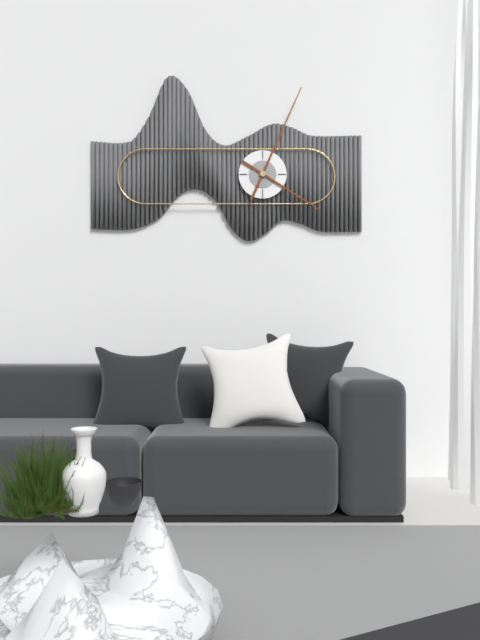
h=4 m=4
